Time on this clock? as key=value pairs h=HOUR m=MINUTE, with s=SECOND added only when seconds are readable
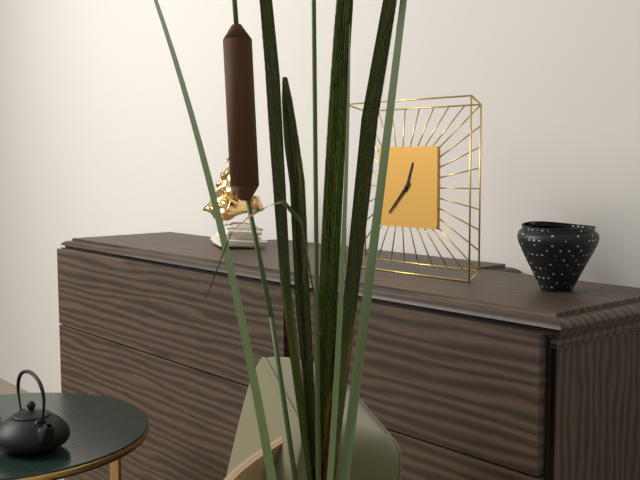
h=12 m=37
